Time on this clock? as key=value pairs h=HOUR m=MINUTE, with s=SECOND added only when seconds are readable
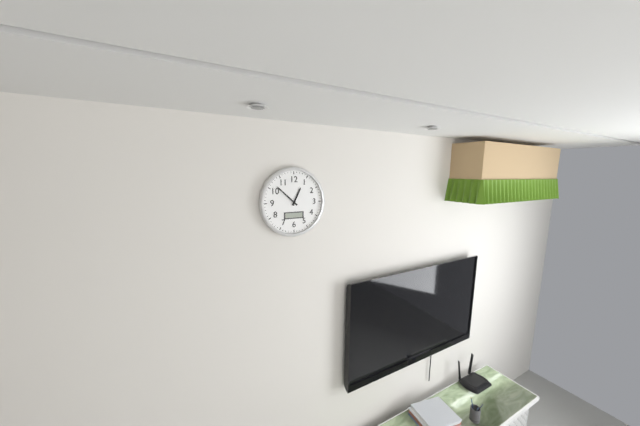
h=12 m=52
